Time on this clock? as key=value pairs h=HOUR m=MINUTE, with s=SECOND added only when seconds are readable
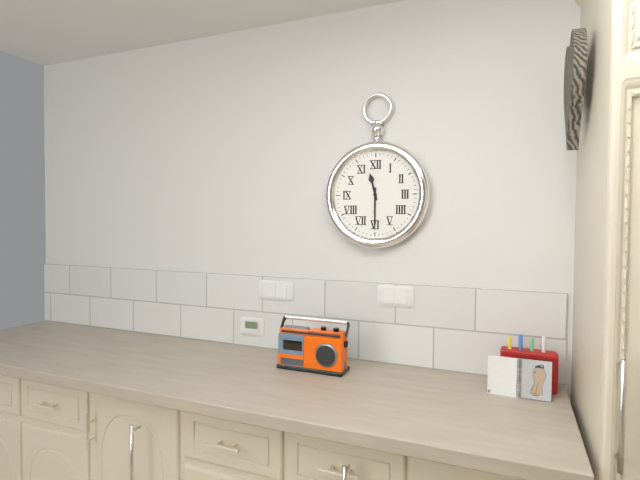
h=11 m=30
